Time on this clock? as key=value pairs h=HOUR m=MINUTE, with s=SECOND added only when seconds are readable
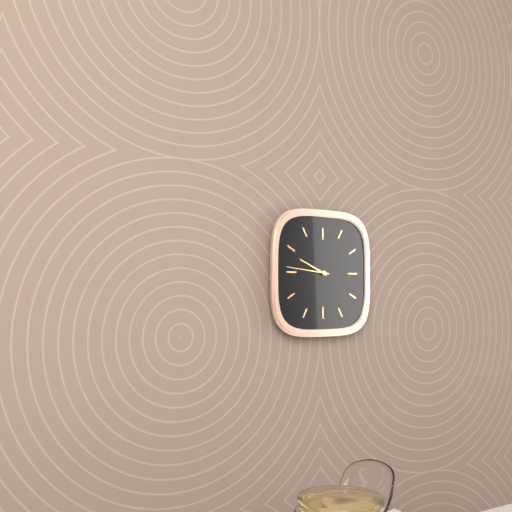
h=9 m=46
